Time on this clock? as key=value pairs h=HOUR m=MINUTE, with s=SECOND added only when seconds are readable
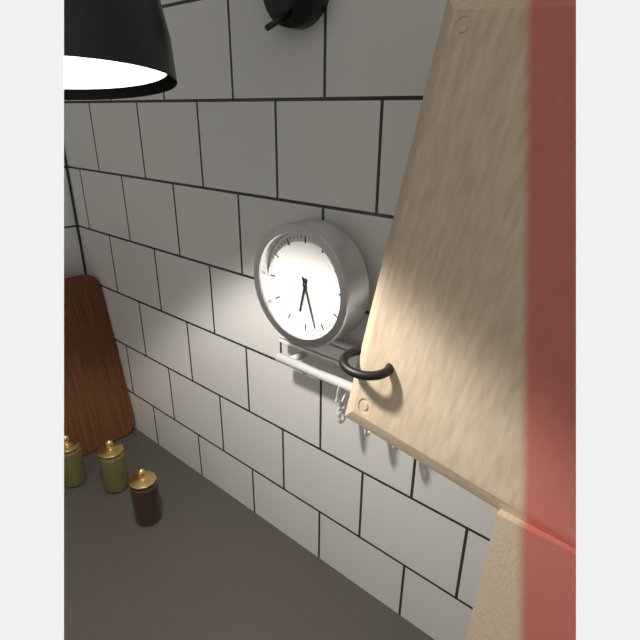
h=6 m=27
